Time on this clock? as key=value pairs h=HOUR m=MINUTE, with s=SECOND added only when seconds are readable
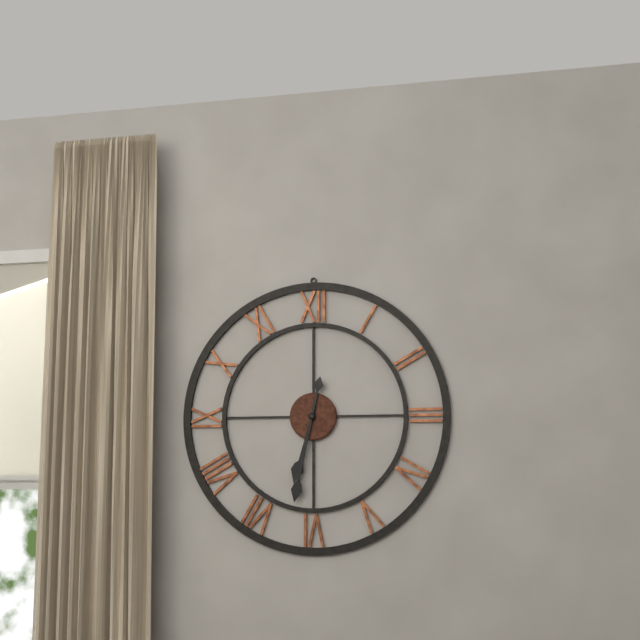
h=6 m=32
